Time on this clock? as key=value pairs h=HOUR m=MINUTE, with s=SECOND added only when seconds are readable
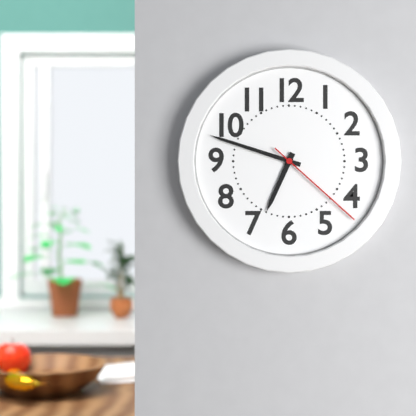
h=6 m=48 s=22
